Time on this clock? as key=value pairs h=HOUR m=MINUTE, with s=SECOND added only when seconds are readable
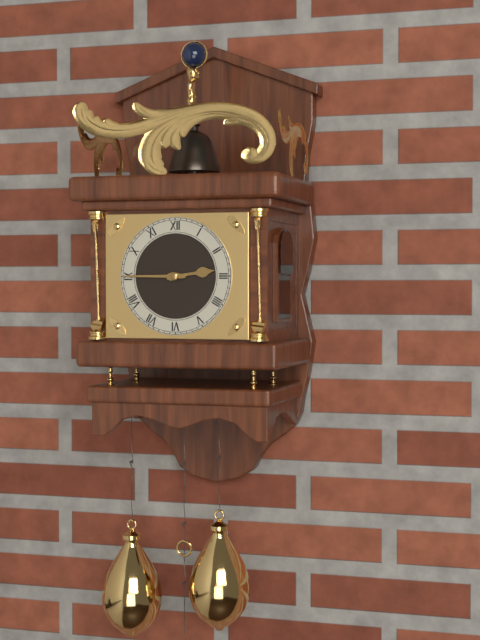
h=2 m=45
